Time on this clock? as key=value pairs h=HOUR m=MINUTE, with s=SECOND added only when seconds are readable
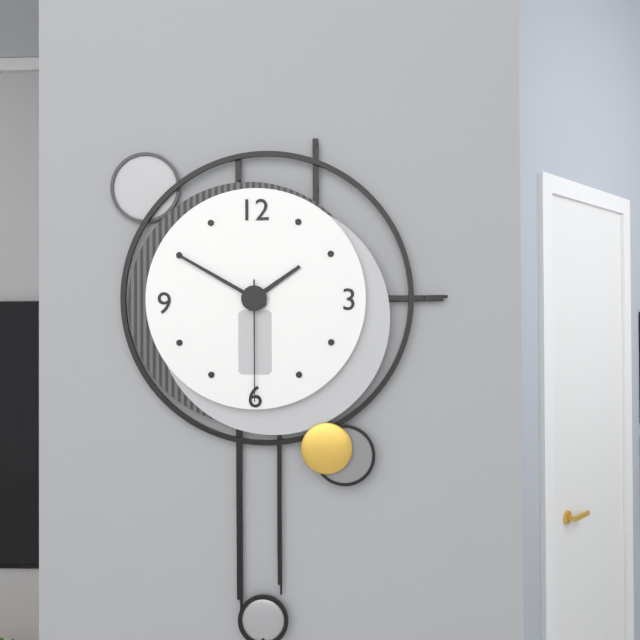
h=1 m=50 s=30
